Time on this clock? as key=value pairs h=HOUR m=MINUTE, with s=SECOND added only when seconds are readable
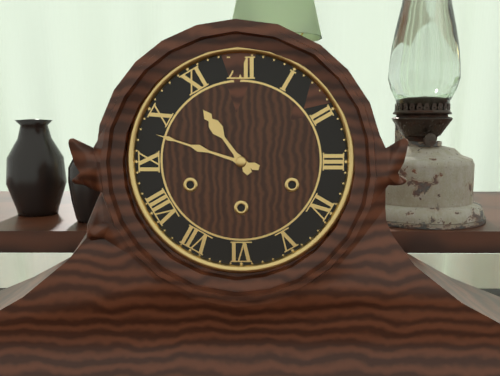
h=10 m=48
